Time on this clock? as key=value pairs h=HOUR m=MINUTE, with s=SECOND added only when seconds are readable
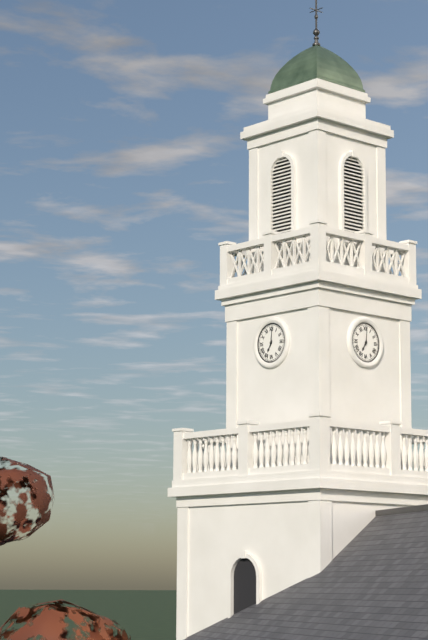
h=7 m=1
